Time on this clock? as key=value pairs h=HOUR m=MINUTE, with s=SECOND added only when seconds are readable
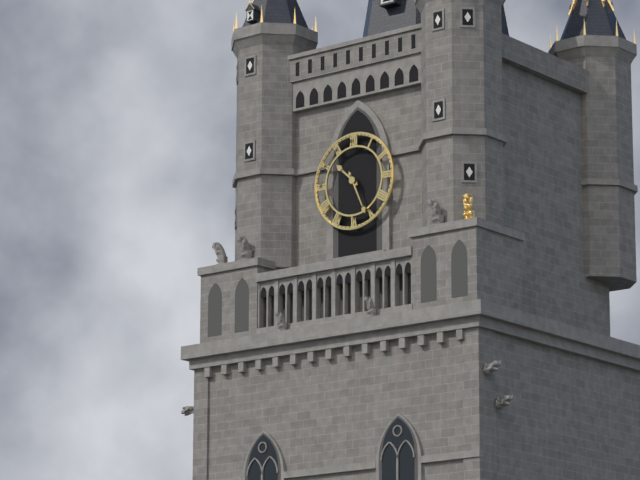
h=10 m=26
